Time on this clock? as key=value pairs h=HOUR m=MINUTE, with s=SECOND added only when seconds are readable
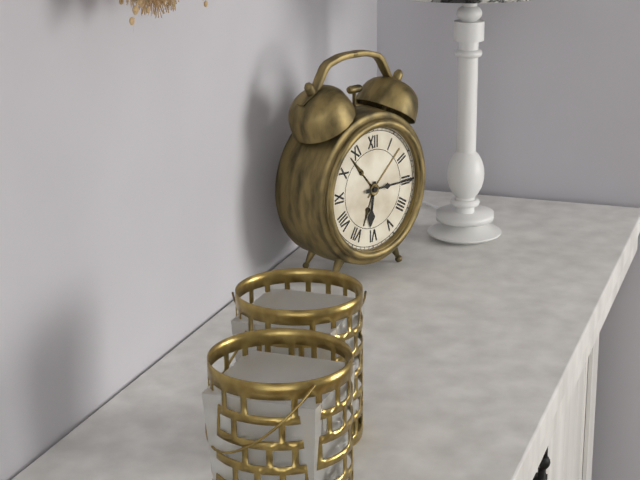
h=6 m=15
